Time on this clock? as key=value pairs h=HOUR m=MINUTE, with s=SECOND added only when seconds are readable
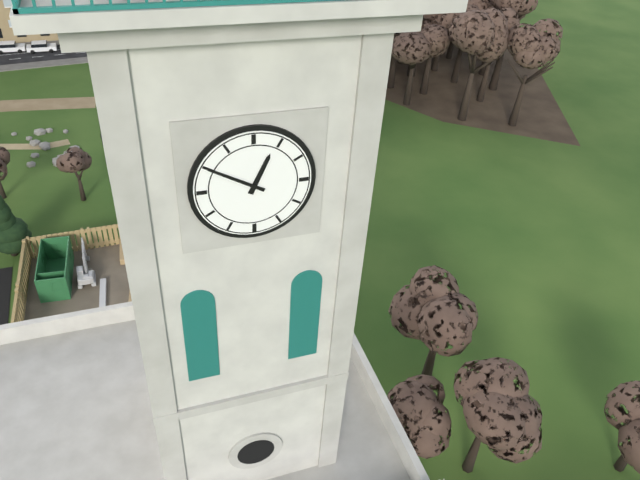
h=12 m=50
